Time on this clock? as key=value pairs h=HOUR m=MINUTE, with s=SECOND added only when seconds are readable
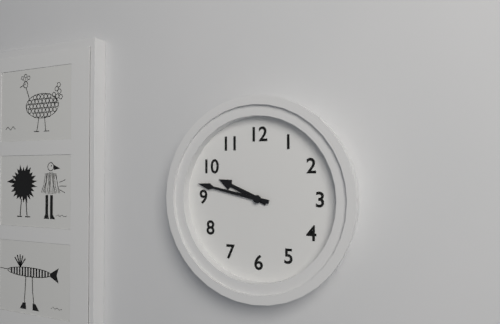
h=9 m=47
